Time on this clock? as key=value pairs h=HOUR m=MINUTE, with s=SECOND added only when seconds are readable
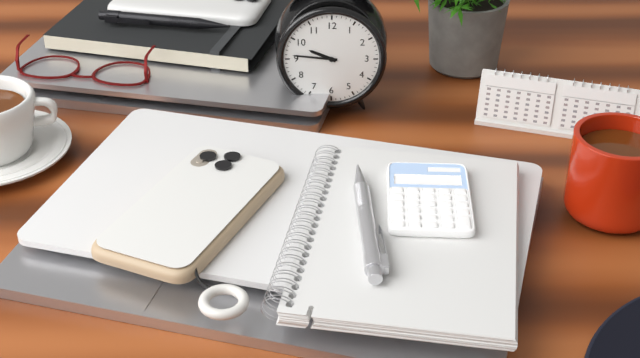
h=9 m=46
